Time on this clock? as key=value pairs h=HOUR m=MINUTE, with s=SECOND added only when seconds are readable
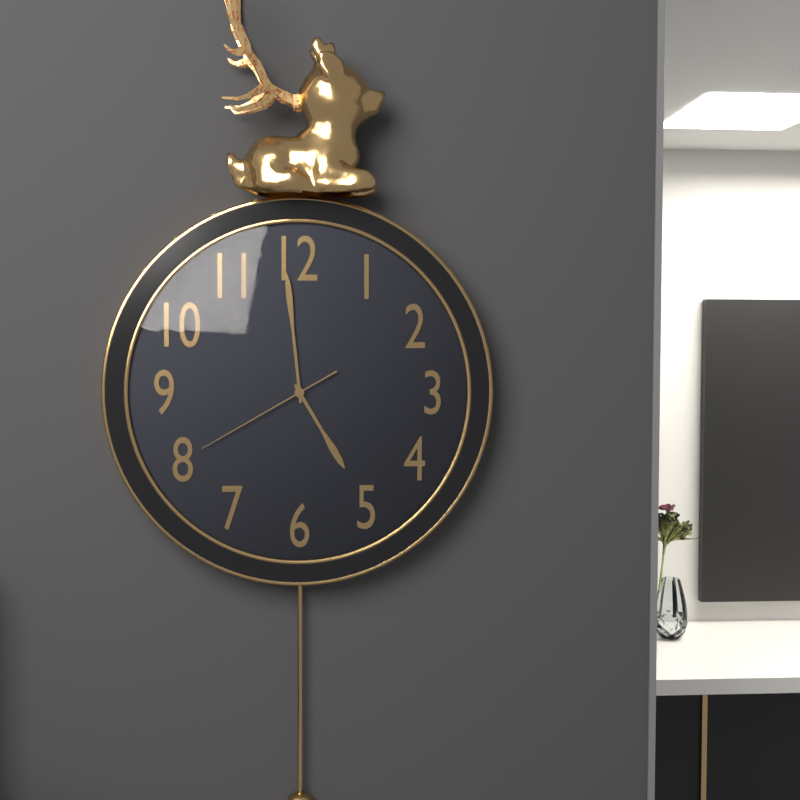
h=4 m=59 s=40
